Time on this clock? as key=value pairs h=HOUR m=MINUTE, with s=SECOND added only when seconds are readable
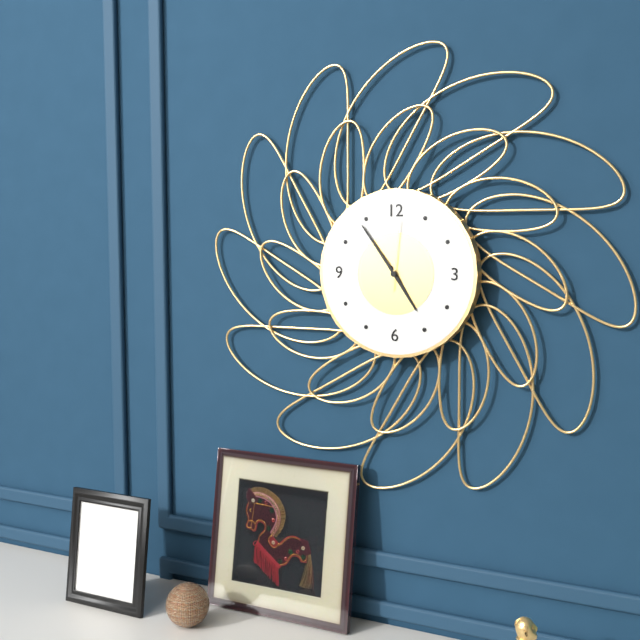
h=4 m=54 s=1
